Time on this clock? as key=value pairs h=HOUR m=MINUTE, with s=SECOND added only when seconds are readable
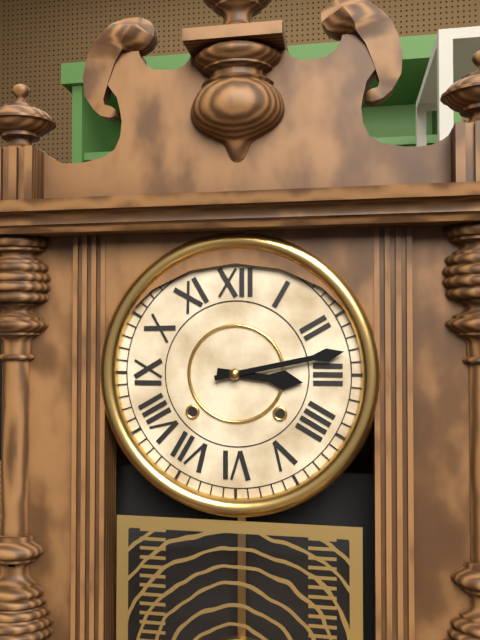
h=3 m=13
